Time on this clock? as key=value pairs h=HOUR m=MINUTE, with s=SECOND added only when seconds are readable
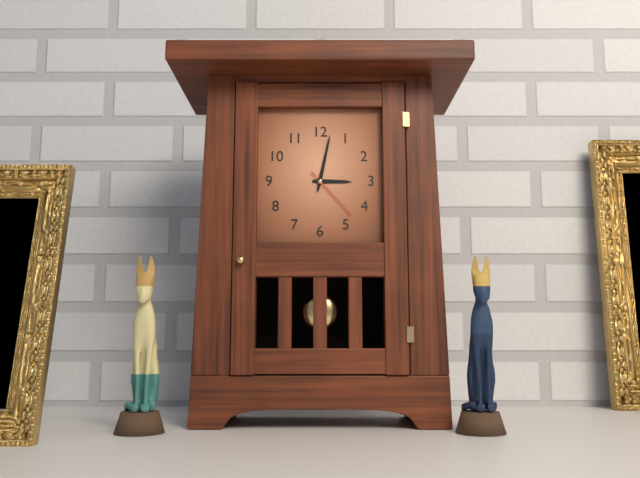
h=3 m=2 s=23
